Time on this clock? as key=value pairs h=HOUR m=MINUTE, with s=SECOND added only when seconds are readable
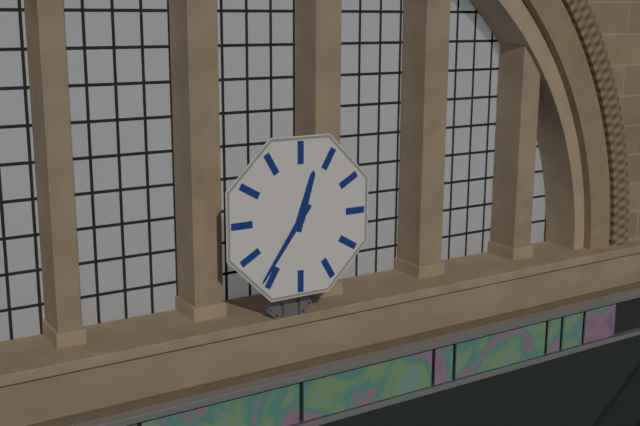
h=12 m=36
